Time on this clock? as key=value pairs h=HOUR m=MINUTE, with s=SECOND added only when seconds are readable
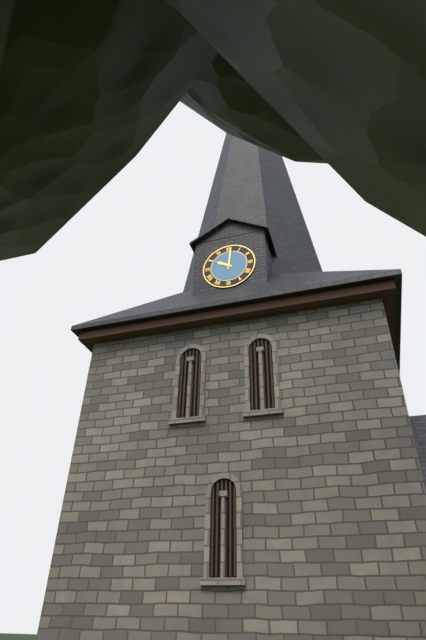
h=10 m=1
